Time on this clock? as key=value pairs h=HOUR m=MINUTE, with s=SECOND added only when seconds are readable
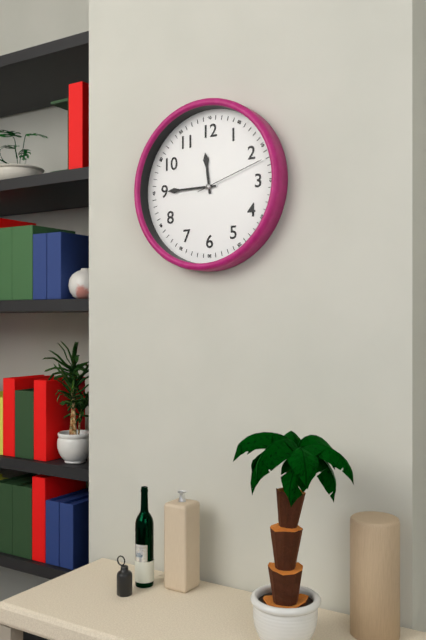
h=11 m=45 s=12
